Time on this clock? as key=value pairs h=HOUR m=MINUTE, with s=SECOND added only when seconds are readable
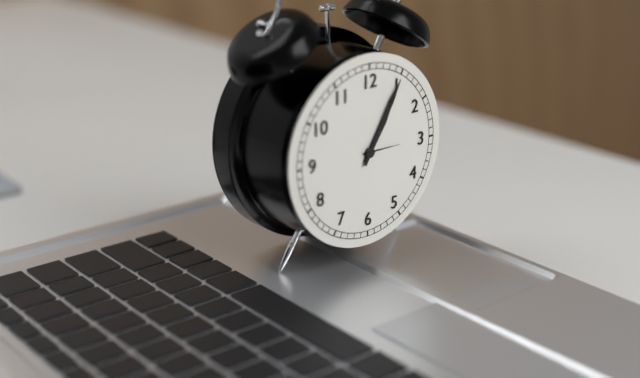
h=1 m=5
